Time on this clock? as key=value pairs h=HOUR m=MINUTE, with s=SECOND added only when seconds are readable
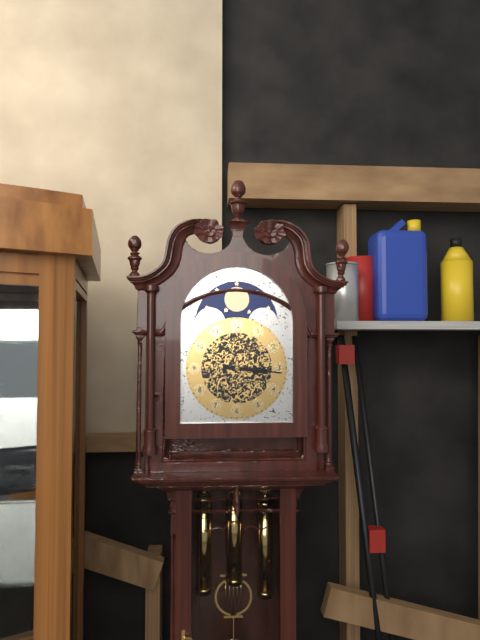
h=3 m=16
